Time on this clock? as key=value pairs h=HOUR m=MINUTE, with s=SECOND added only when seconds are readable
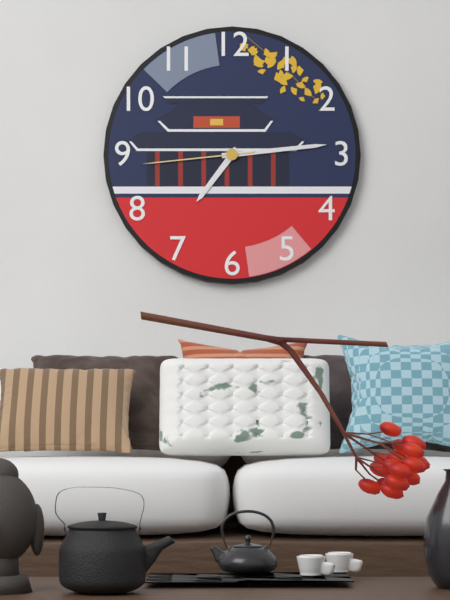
h=7 m=14 s=44
